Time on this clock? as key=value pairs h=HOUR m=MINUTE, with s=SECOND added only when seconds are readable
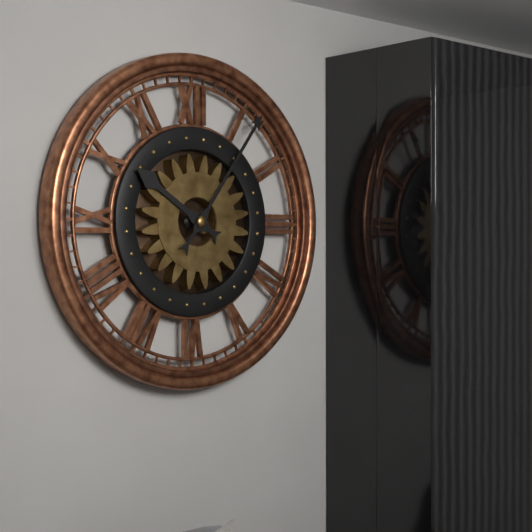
h=10 m=6
